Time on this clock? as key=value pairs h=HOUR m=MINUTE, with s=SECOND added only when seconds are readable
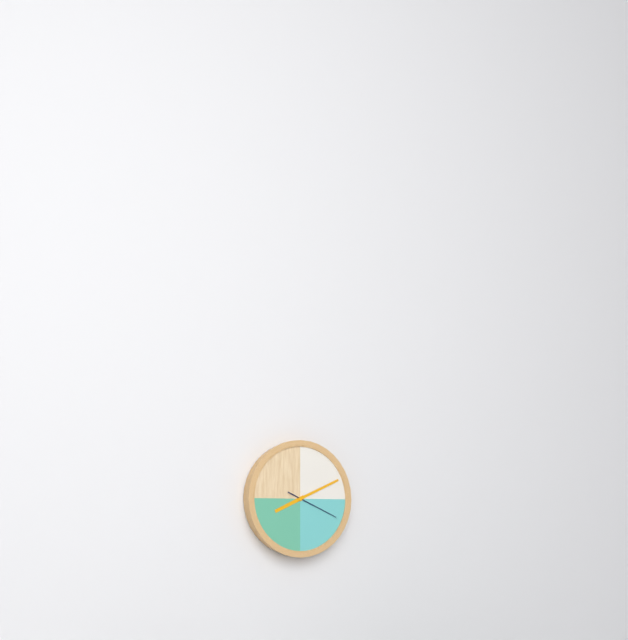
h=8 m=11 s=19
